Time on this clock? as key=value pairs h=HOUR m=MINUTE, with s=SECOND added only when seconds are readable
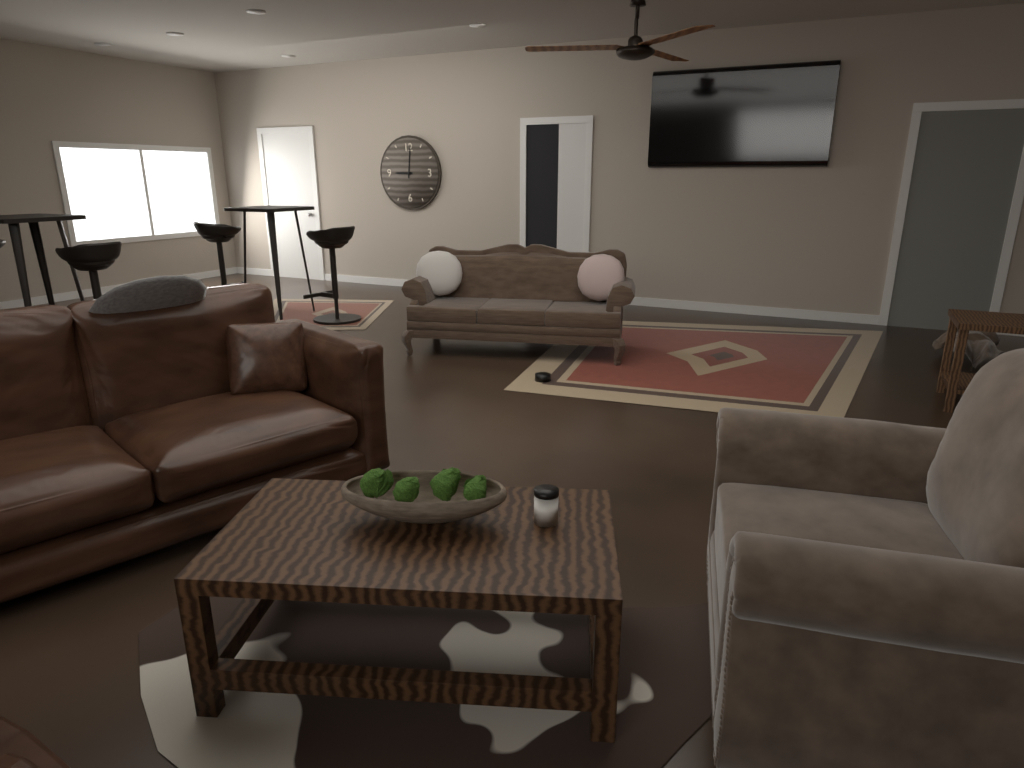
h=9 m=1
